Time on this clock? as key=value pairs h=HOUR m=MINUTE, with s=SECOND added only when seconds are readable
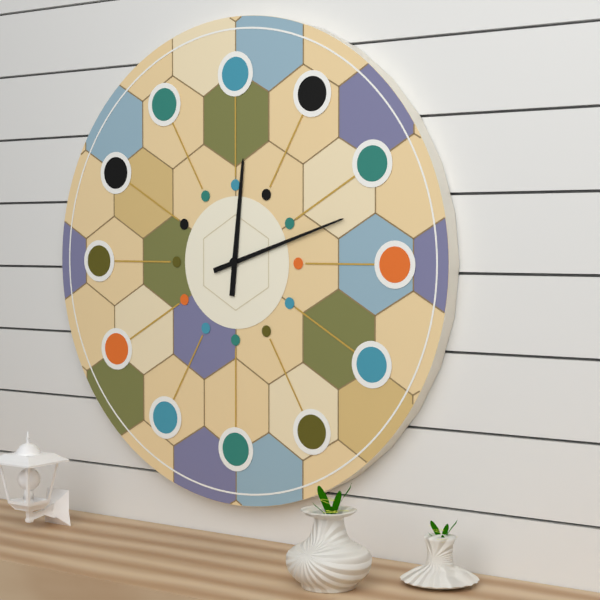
h=12 m=12
